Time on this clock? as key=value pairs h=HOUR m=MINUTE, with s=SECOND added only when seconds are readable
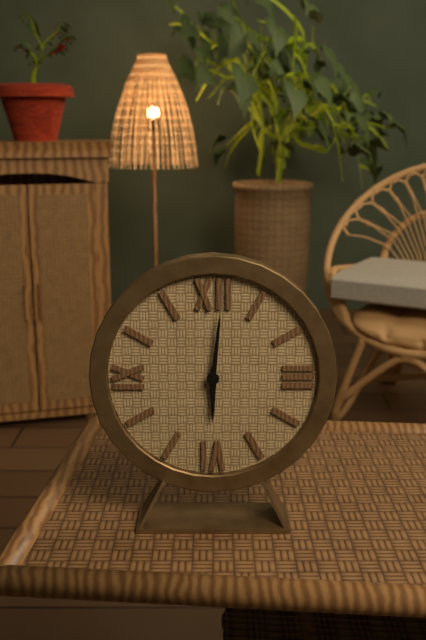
h=6 m=1
